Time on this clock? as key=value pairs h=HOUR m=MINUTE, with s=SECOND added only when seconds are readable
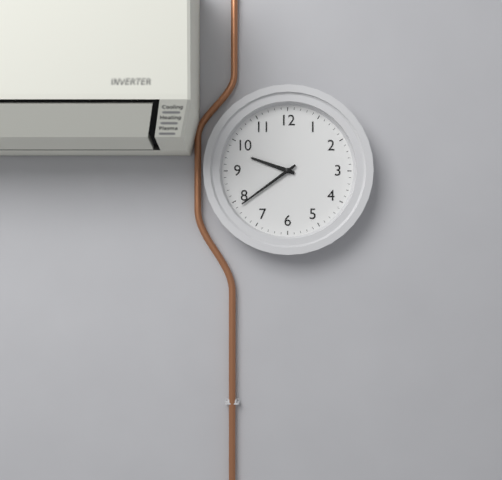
h=9 m=39
